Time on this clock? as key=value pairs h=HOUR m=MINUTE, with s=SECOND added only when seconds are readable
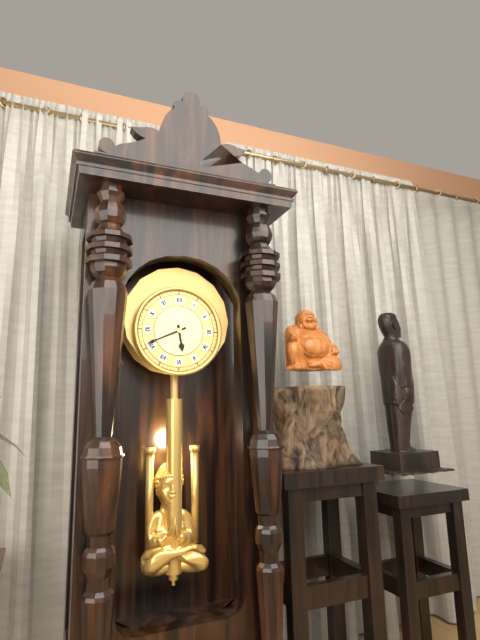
h=5 m=41
